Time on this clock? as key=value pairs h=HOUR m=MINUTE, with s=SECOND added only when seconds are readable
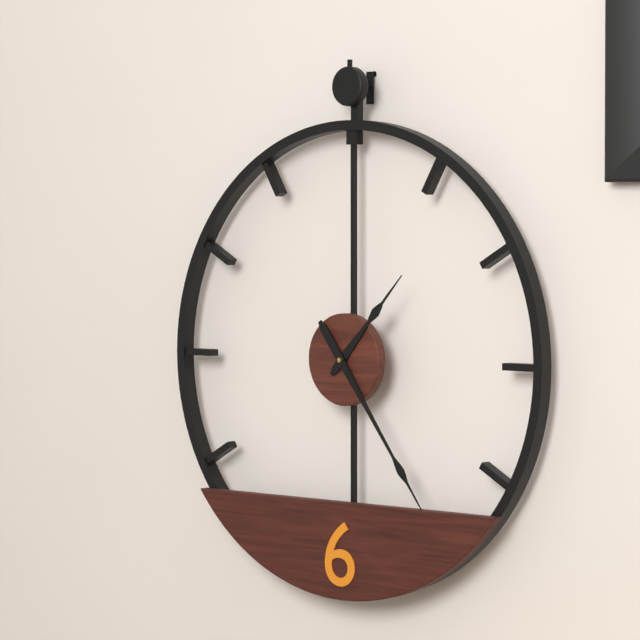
h=1 m=24
